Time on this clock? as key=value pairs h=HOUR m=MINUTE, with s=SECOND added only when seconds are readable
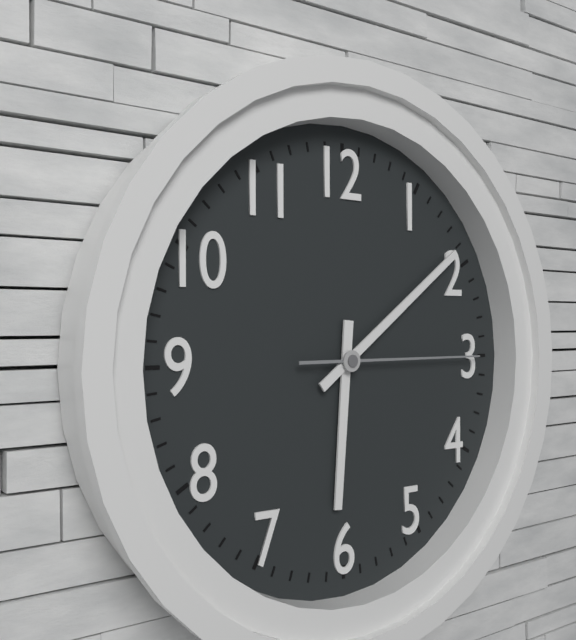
h=6 m=9 s=15
